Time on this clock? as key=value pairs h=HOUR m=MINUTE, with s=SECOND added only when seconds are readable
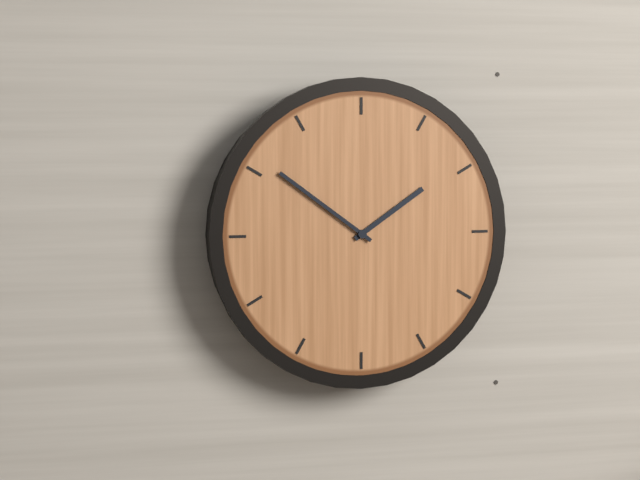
h=1 m=51
